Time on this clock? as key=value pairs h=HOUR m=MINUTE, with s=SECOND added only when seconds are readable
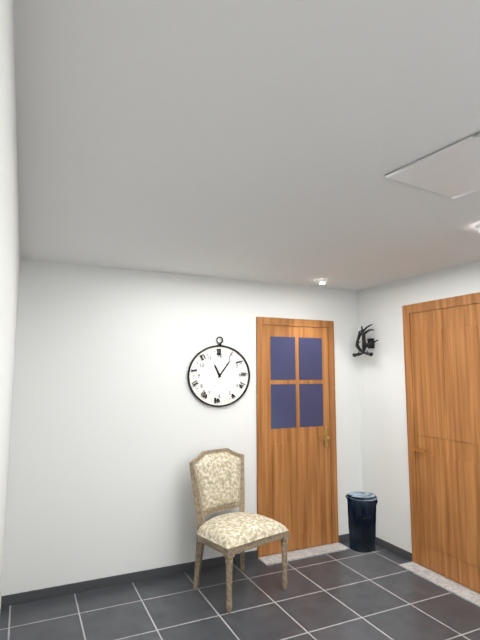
h=11 m=6
